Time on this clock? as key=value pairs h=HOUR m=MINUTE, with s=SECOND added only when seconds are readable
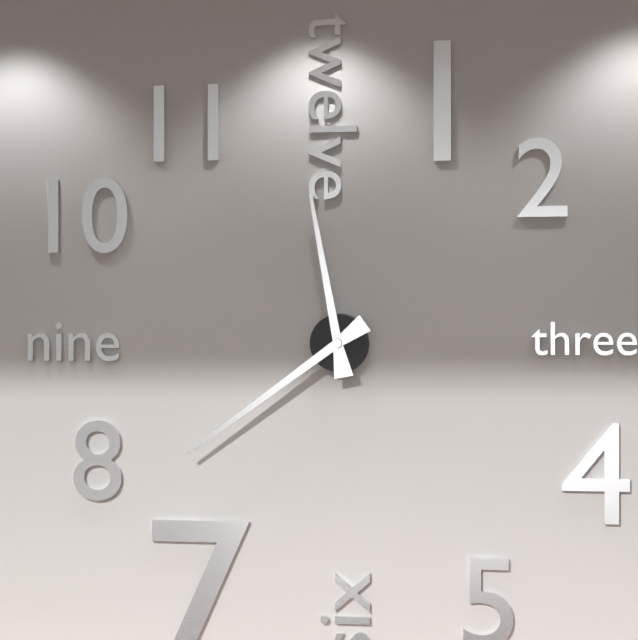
h=11 m=39
